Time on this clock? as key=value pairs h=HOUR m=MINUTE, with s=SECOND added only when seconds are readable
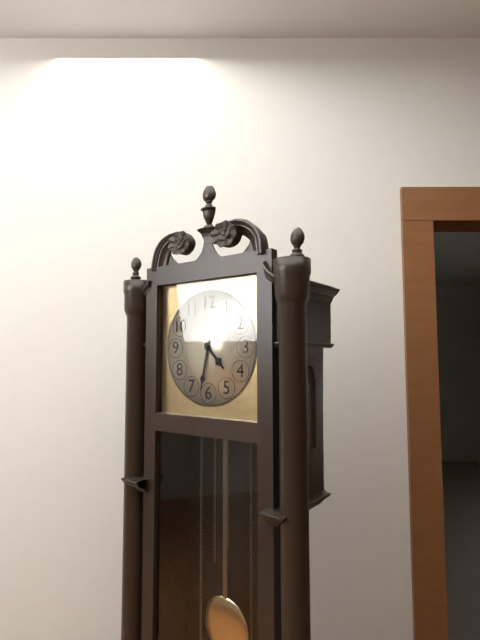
h=4 m=32
